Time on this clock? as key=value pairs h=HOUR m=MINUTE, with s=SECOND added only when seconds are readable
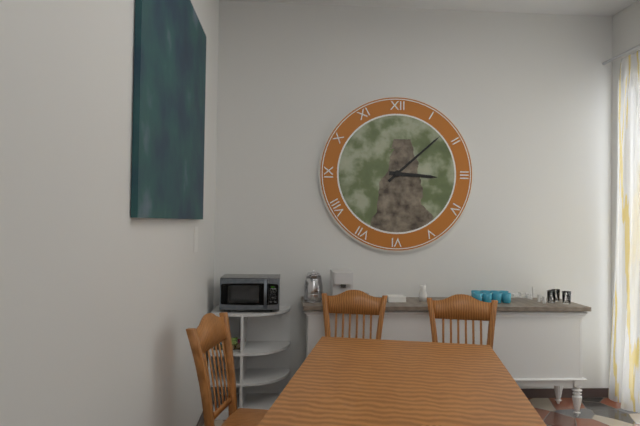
h=3 m=8
